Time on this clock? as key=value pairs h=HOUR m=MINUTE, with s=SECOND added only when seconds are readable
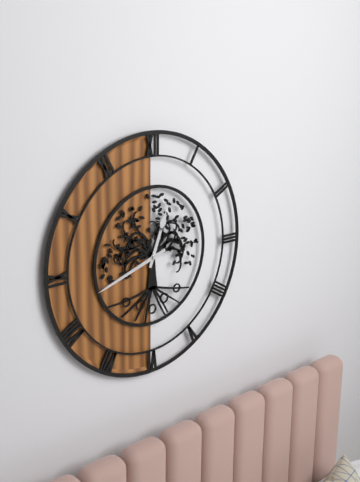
h=12 m=42
